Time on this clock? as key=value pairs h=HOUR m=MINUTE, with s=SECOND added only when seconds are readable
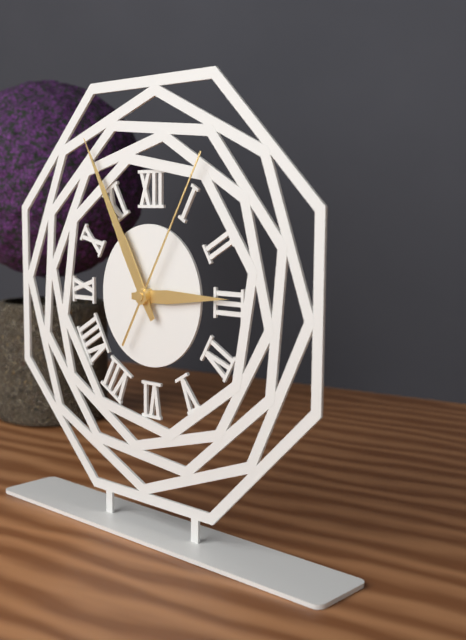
h=2 m=55 s=5
